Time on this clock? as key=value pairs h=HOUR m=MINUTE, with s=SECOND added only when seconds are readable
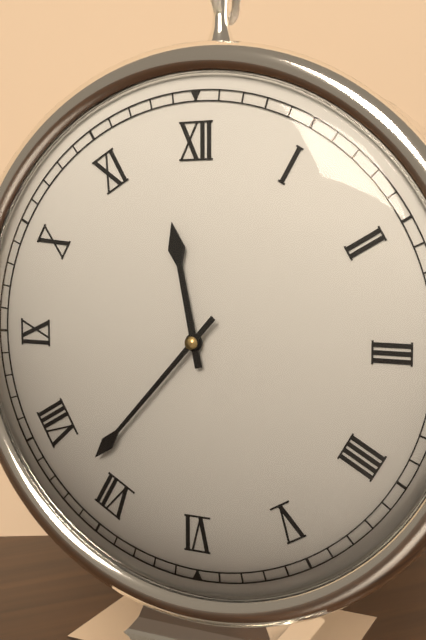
h=11 m=37
